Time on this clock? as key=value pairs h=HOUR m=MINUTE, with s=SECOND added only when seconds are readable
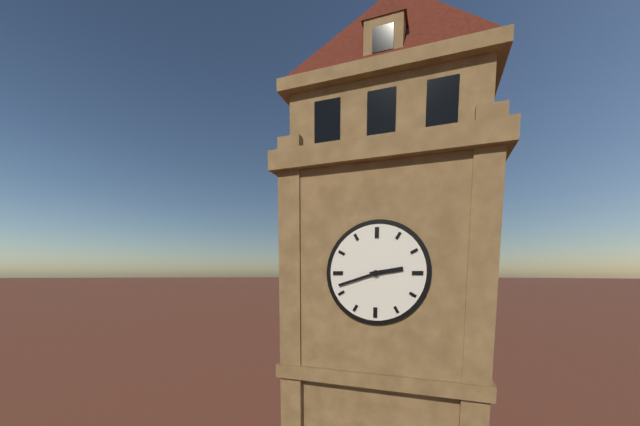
h=2 m=42
